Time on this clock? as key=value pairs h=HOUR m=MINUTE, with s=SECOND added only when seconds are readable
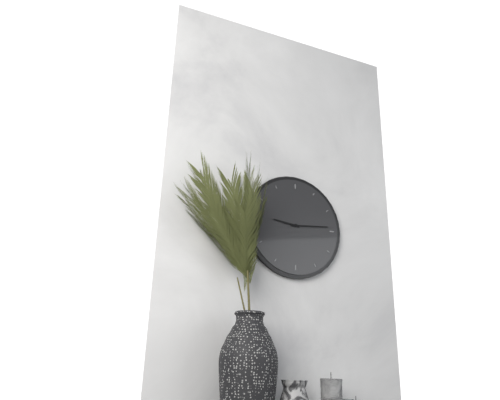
h=9 m=14
